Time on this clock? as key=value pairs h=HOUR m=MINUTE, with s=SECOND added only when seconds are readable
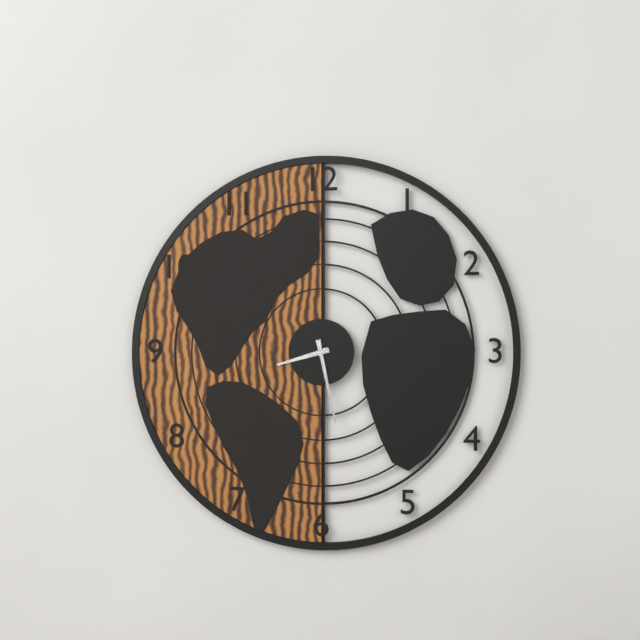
h=8 m=28
